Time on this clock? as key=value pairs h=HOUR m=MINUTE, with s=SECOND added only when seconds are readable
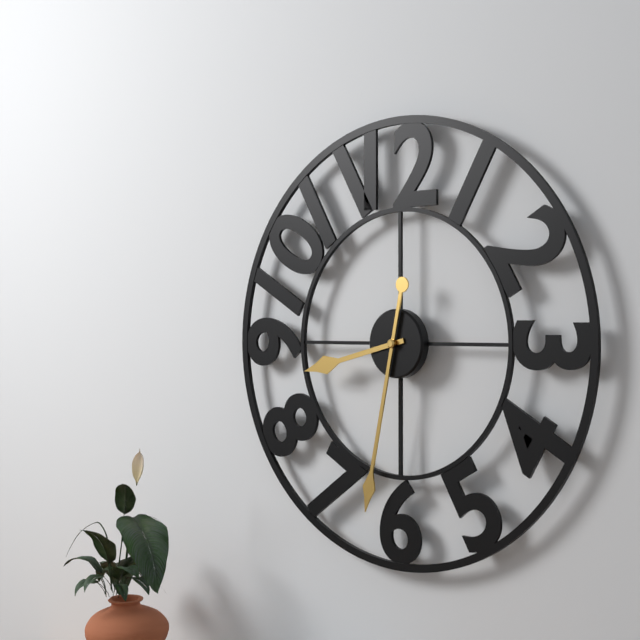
h=8 m=32
